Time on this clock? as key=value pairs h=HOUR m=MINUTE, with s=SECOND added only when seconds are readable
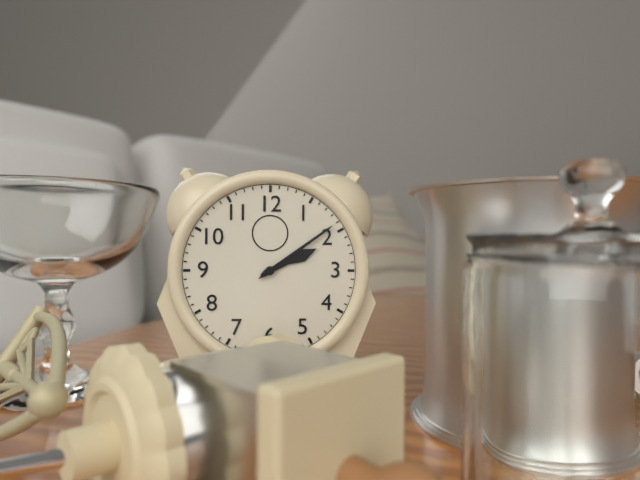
h=2 m=9
